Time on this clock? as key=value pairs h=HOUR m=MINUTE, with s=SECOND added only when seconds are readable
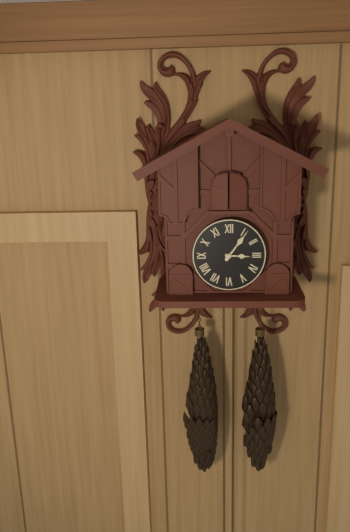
h=3 m=6
